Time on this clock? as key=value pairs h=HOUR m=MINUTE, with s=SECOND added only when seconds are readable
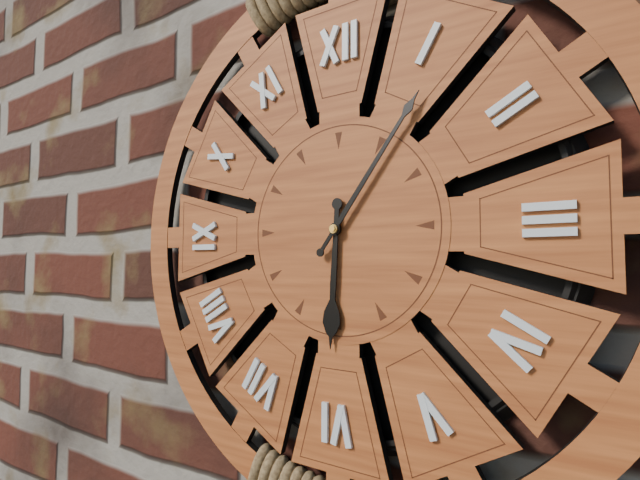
h=6 m=6
